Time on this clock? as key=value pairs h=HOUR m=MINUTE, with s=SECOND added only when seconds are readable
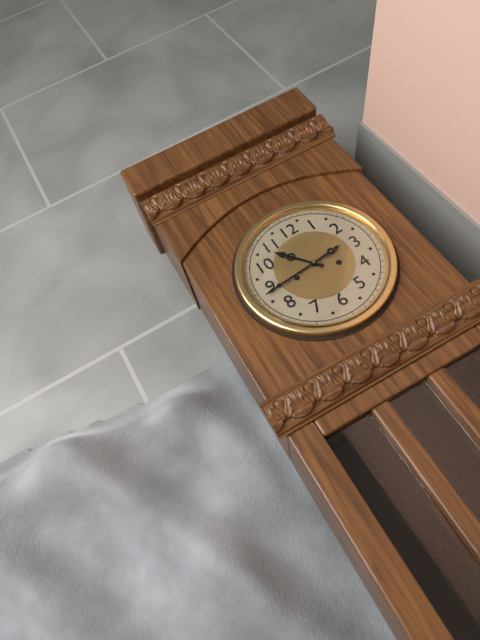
h=10 m=44
